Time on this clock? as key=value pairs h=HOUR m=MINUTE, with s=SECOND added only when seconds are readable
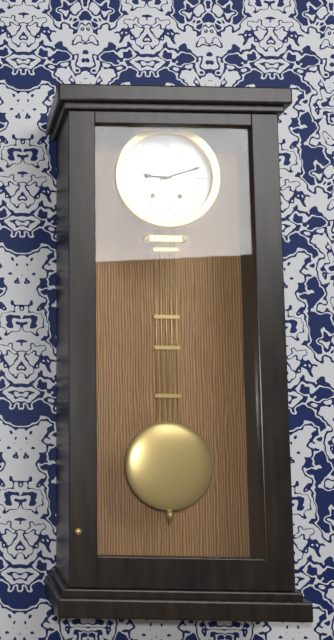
h=9 m=12
